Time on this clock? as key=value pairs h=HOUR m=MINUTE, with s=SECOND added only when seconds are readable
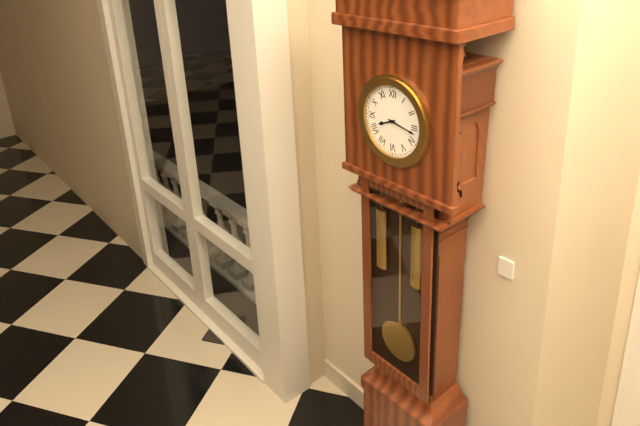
h=8 m=17
